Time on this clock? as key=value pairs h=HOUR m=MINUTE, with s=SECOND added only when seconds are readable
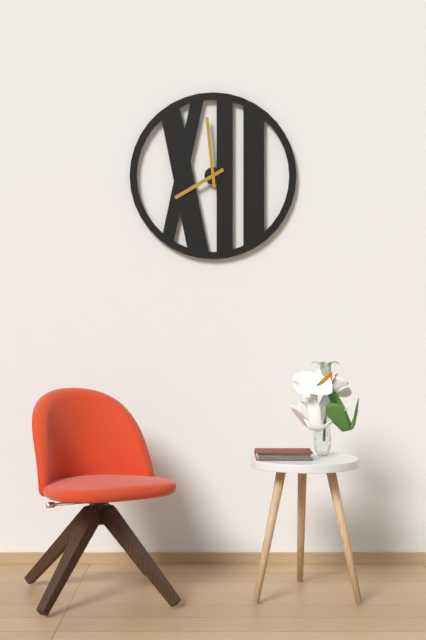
h=7 m=59
